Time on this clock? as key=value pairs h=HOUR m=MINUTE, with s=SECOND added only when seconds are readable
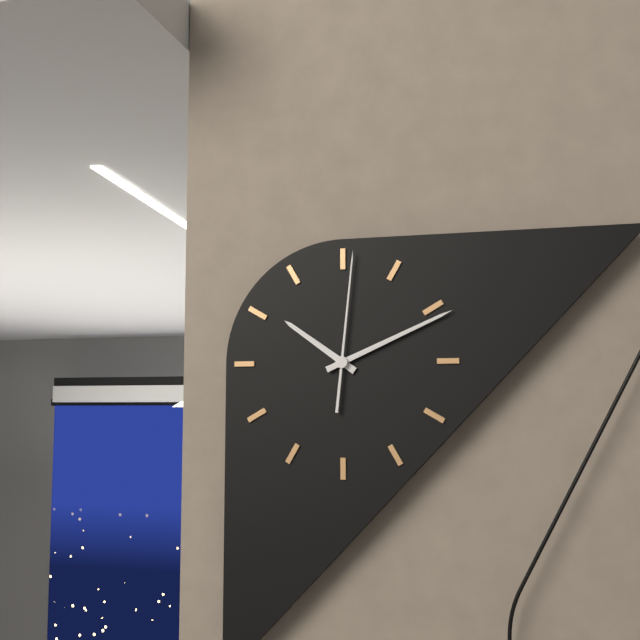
h=10 m=11 s=1
